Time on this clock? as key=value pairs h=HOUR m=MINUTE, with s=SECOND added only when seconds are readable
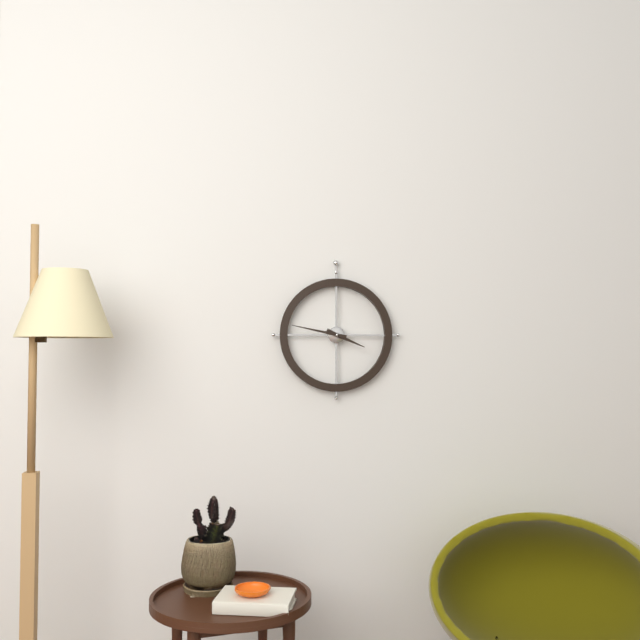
h=3 m=47
